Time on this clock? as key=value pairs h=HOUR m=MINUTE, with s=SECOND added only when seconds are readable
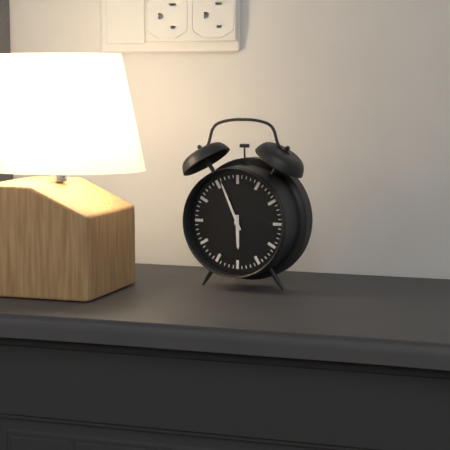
h=5 m=56
